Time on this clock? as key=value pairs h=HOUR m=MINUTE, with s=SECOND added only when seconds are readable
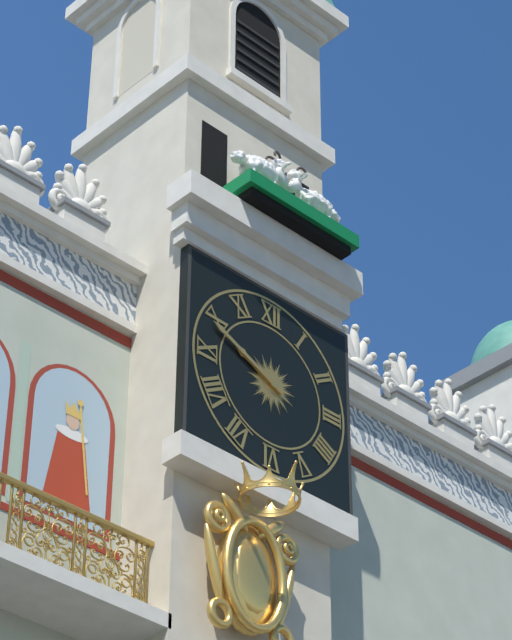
h=9 m=49
